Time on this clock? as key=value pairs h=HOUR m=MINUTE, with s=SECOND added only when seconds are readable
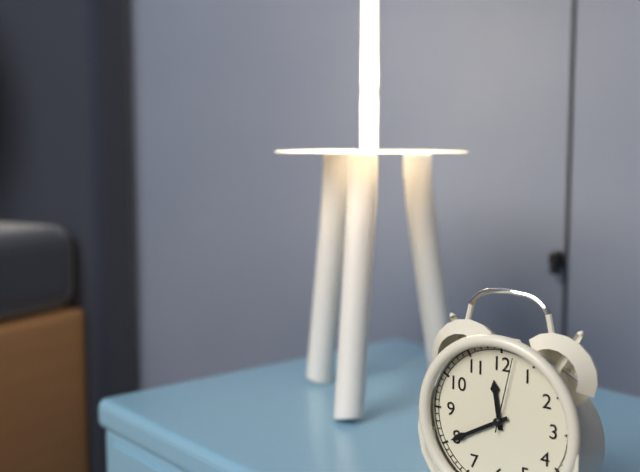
h=11 m=40 s=2
